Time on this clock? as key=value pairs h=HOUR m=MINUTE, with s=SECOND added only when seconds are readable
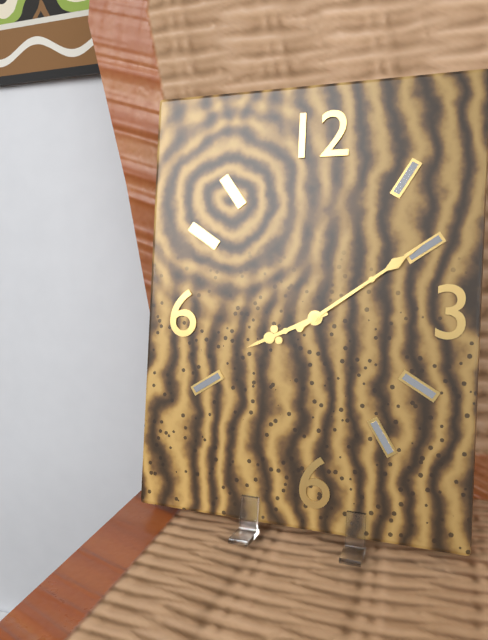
h=8 m=9
